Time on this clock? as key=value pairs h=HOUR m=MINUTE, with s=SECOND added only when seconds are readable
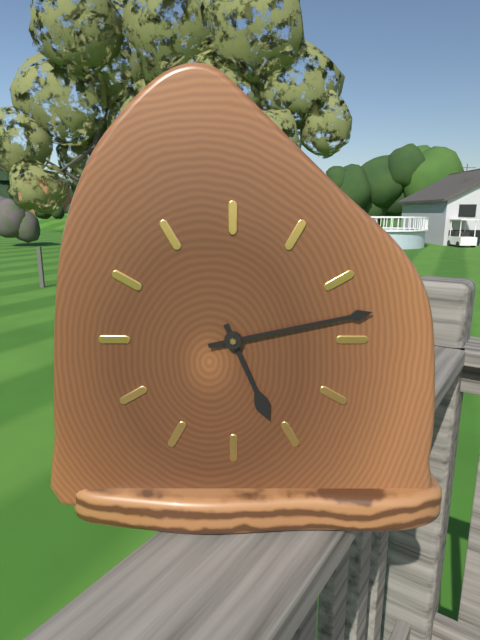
h=5 m=13
